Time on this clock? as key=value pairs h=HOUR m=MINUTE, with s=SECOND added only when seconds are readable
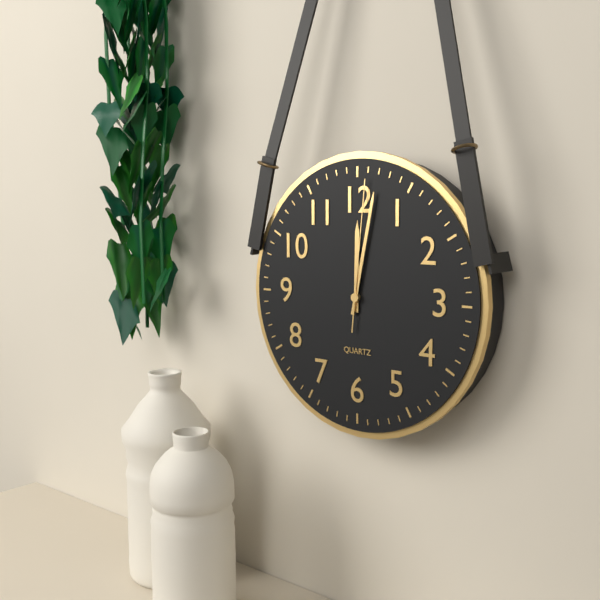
h=12 m=2 s=1
